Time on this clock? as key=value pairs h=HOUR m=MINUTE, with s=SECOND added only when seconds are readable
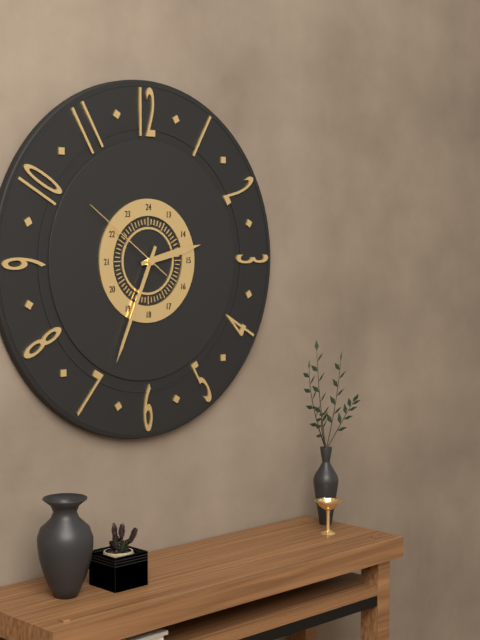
h=2 m=34 s=51
